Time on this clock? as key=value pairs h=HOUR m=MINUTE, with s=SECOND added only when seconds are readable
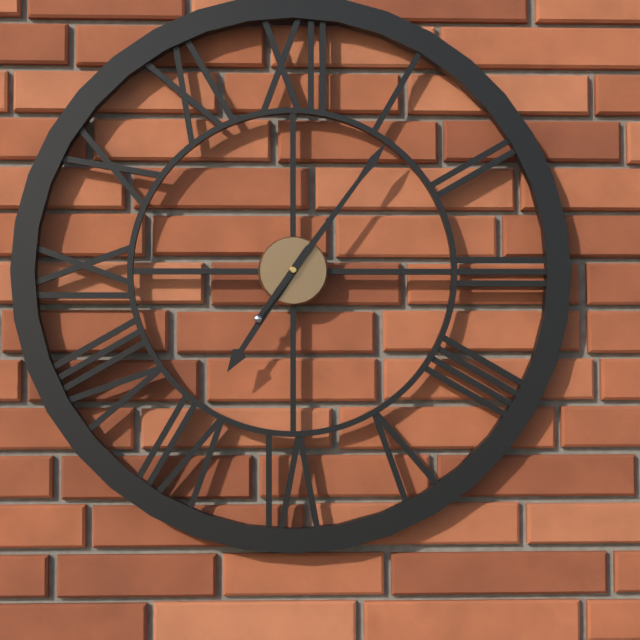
h=7 m=6
